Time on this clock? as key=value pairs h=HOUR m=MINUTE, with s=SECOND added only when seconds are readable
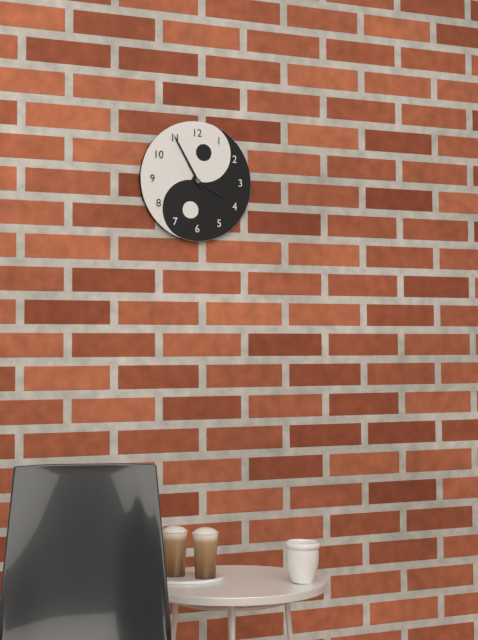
h=3 m=55
